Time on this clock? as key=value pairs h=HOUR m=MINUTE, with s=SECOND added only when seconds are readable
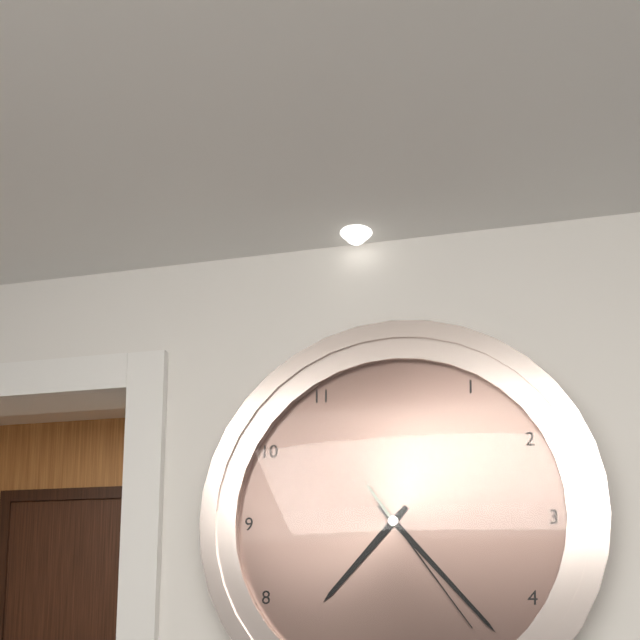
h=7 m=23 s=24
